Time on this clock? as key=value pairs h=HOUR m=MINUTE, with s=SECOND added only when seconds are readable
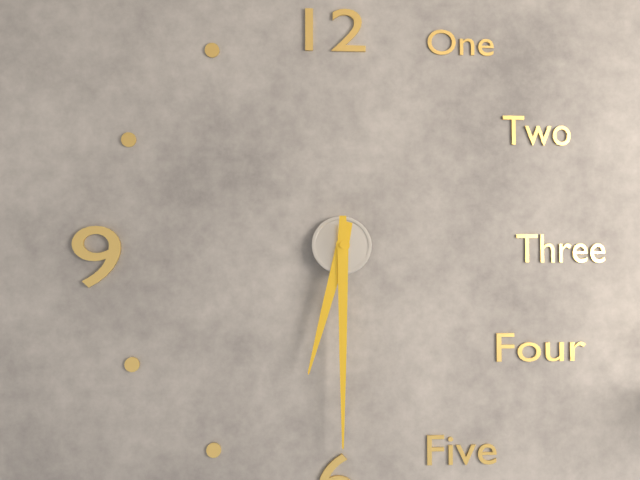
h=6 m=30
